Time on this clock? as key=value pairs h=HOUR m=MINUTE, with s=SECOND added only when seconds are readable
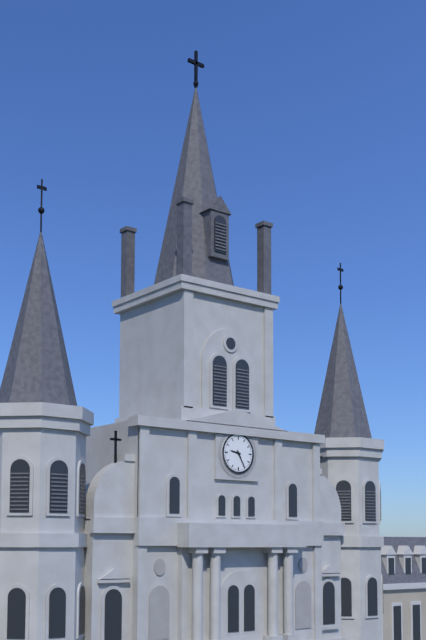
h=9 m=25
